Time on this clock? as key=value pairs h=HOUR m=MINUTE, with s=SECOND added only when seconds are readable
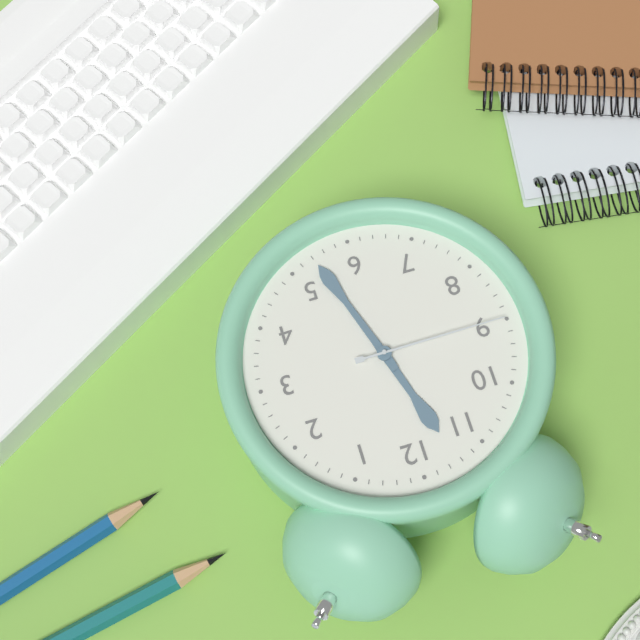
h=11 m=27 s=45
